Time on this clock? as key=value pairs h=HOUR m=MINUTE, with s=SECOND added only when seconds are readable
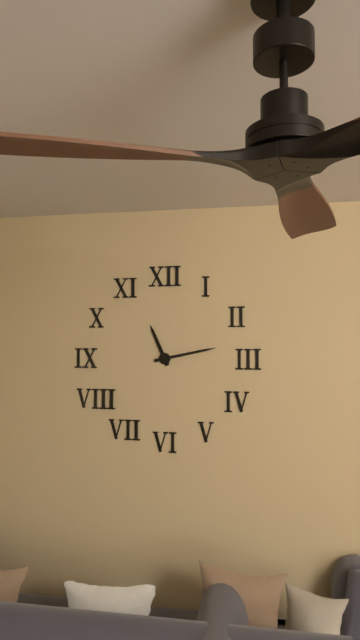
h=11 m=13
